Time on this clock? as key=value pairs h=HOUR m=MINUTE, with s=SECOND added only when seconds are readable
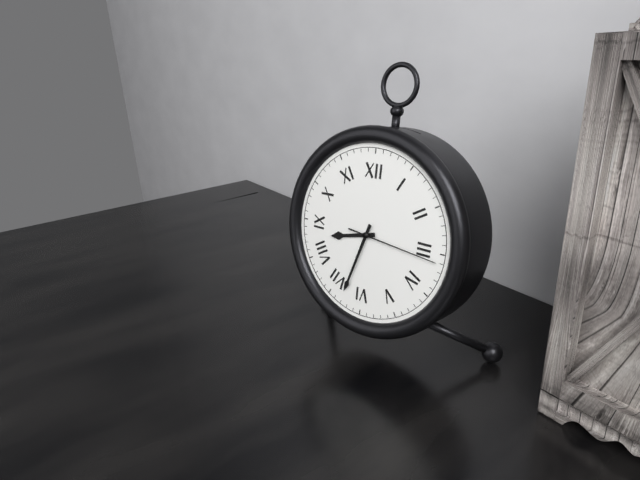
h=8 m=33 s=16
